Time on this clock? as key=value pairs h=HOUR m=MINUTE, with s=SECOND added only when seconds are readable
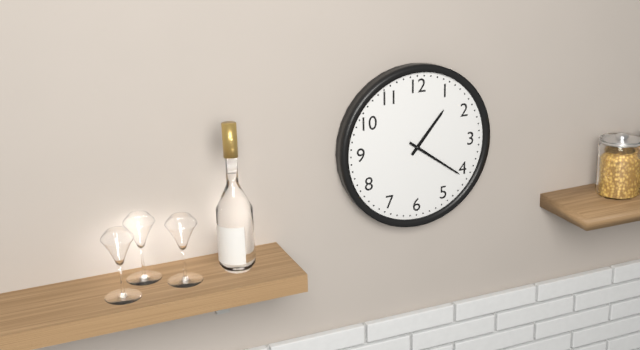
h=1 m=21
